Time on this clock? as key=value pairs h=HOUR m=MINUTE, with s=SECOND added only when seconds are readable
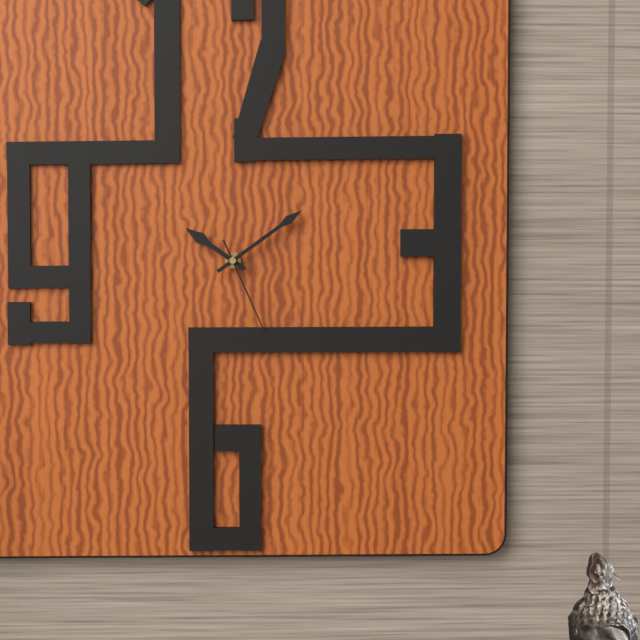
h=10 m=9 s=26
